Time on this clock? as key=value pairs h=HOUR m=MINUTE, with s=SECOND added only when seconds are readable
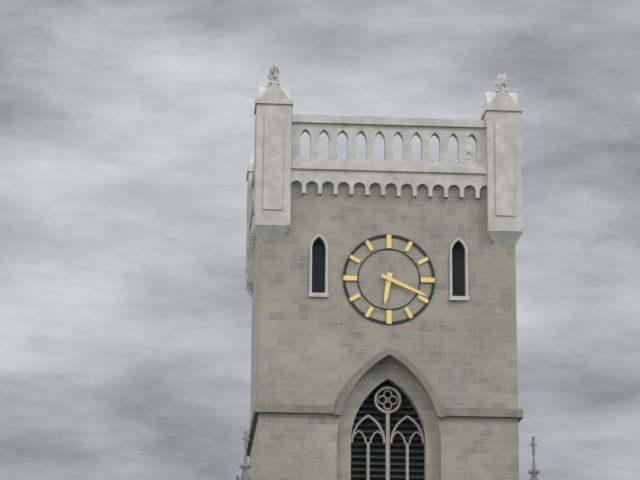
h=6 m=19
